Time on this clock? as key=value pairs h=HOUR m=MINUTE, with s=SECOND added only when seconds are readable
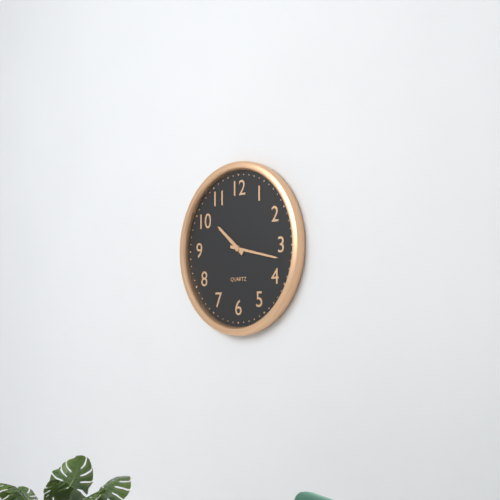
h=10 m=17
